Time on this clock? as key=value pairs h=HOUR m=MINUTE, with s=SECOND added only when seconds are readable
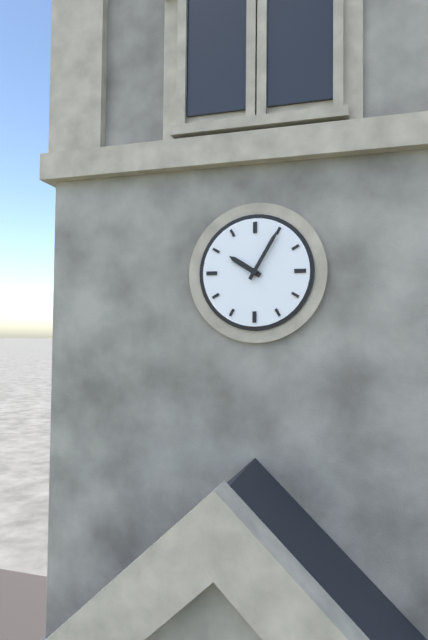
h=10 m=5
